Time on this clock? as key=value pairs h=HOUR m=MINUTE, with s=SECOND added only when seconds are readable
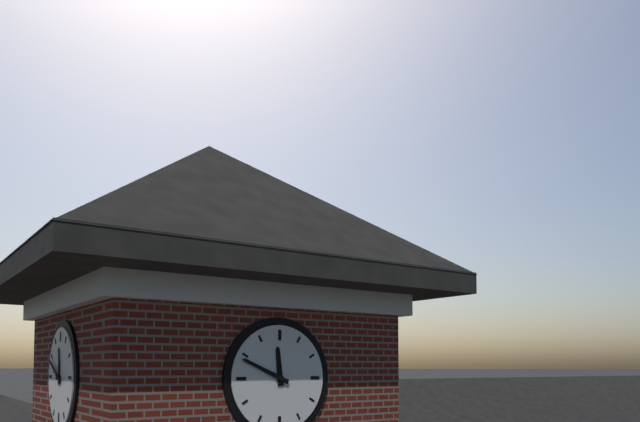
h=11 m=49
